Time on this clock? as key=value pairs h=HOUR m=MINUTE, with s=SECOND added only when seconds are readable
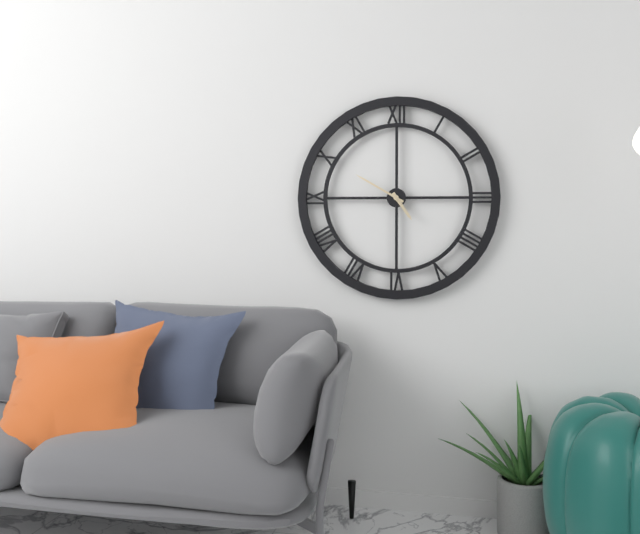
h=4 m=50
